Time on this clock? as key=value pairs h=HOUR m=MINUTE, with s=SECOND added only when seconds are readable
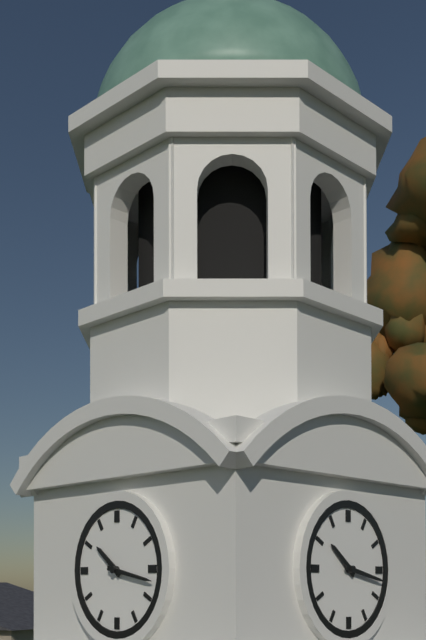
h=10 m=17
